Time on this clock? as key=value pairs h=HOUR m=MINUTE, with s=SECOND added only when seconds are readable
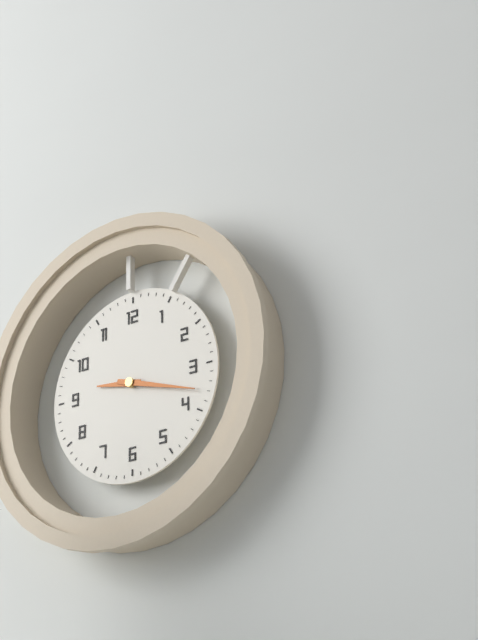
h=9 m=18
